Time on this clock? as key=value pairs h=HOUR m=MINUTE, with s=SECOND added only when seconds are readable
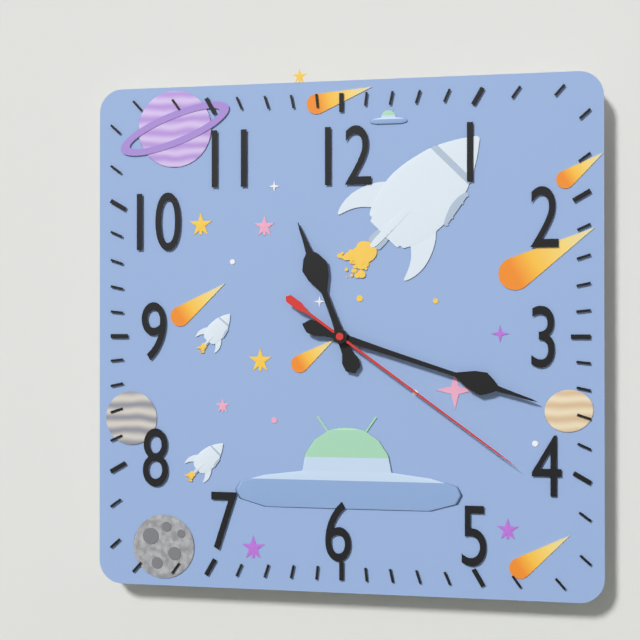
h=11 m=18 s=21
